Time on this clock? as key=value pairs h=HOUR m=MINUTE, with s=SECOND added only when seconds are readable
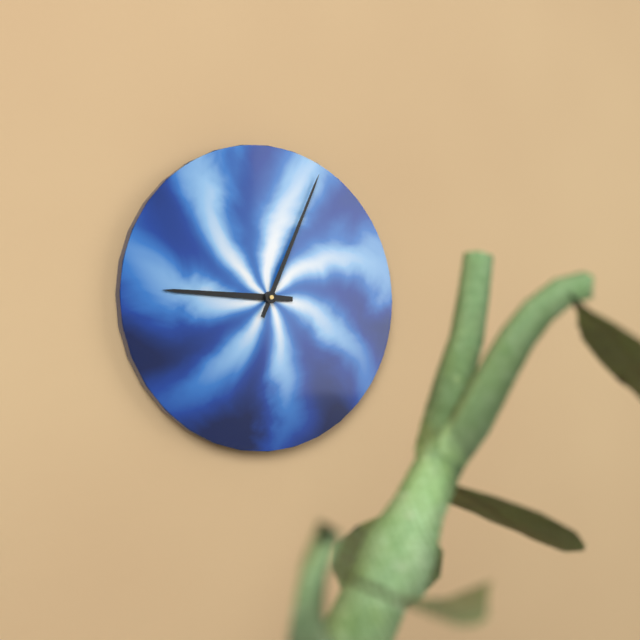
h=9 m=4
